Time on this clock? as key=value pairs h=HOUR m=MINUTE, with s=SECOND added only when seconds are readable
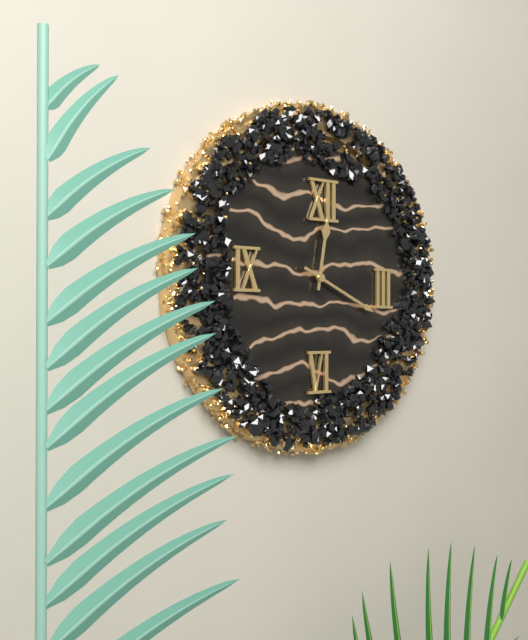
h=12 m=19
